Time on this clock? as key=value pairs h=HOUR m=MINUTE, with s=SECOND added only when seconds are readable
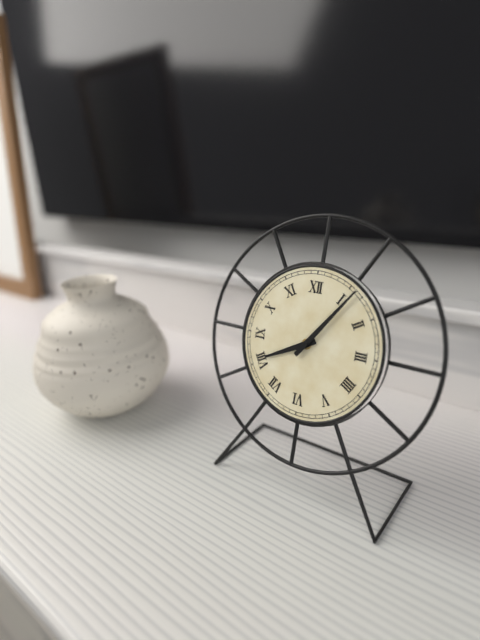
h=8 m=6
